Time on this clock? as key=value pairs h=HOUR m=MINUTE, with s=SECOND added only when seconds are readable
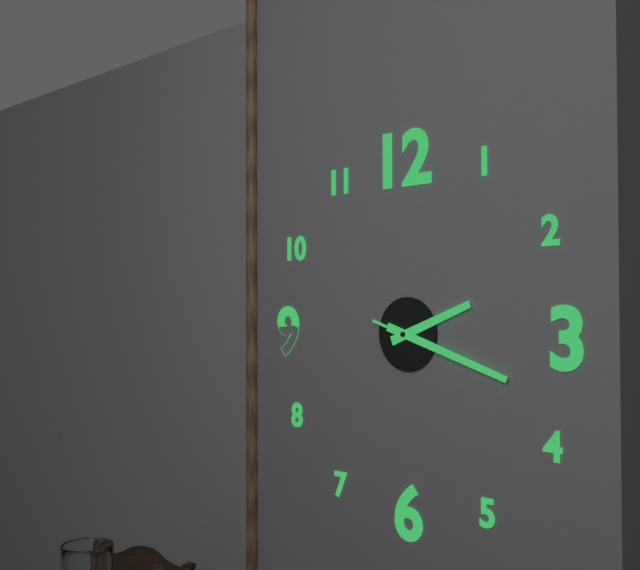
h=2 m=18 s=18
